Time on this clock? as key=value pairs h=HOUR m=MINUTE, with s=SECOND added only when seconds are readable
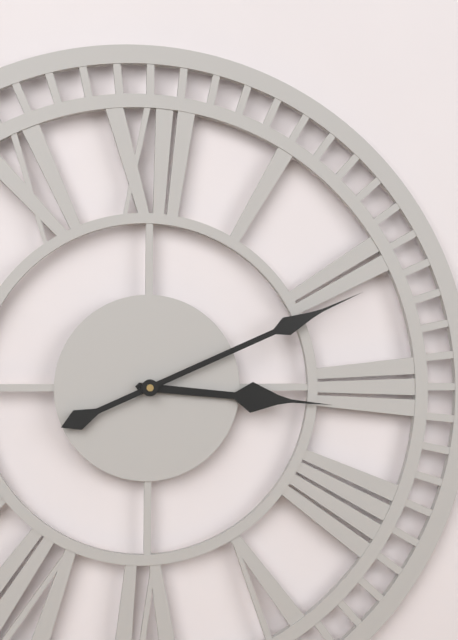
h=3 m=11
